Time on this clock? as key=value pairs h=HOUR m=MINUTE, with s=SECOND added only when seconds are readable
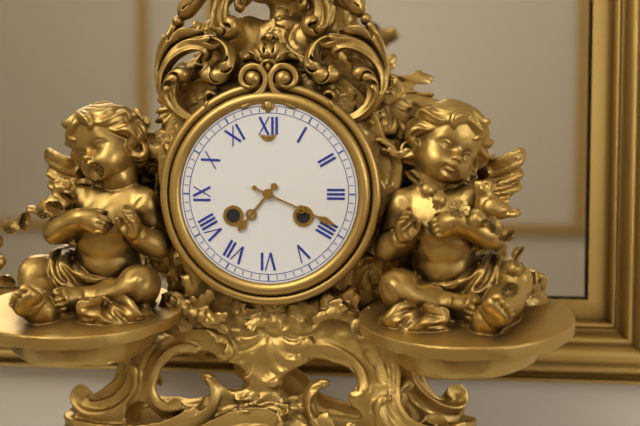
h=7 m=19
